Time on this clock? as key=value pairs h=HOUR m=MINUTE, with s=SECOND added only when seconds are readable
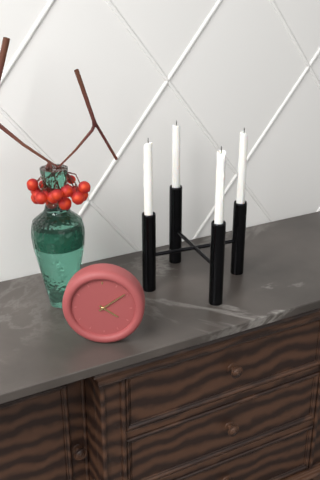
h=4 m=9
